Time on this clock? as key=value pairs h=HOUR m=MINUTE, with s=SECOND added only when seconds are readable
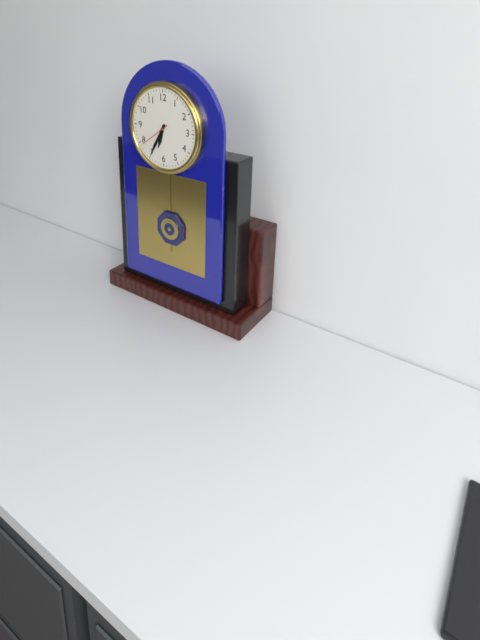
h=6 m=35
